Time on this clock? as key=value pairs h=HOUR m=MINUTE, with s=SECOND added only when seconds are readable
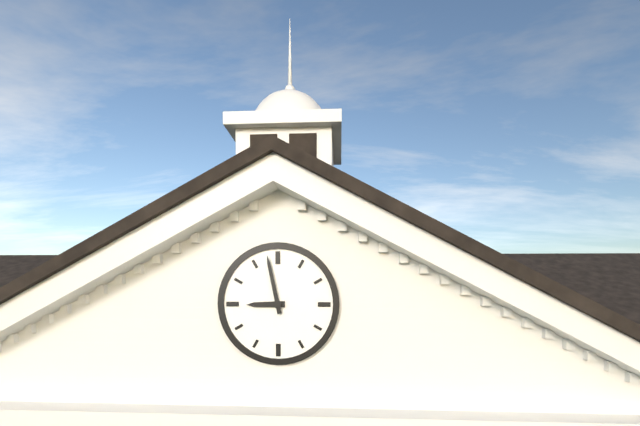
h=8 m=58
